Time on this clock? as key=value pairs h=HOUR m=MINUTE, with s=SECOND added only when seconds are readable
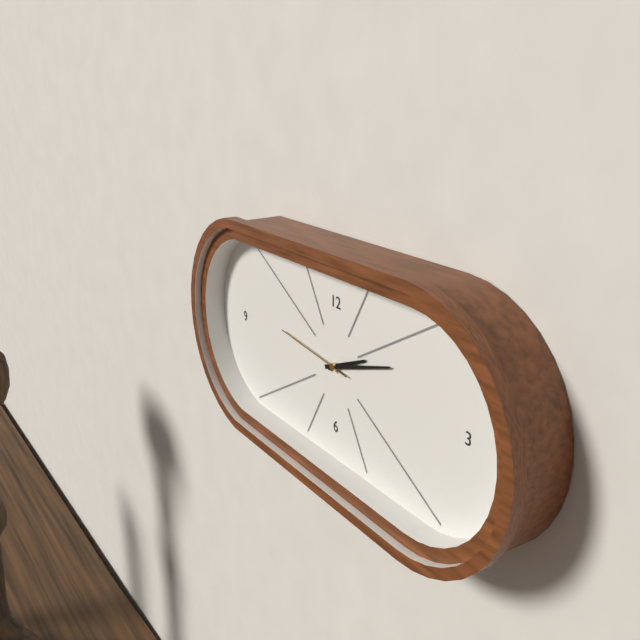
h=2 m=12 s=46
